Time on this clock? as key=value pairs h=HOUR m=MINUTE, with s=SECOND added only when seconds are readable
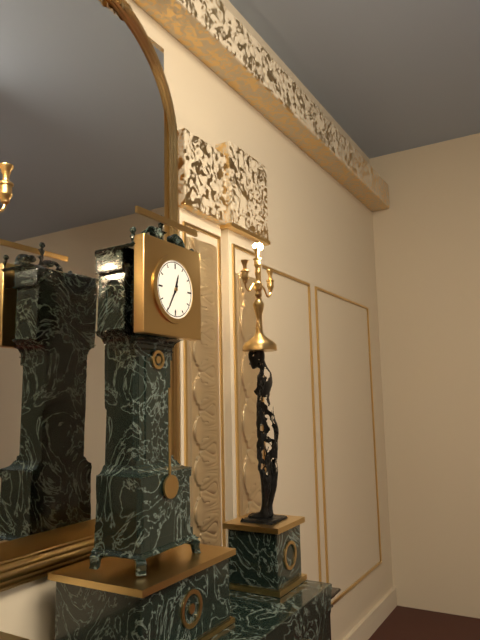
h=12 m=35
